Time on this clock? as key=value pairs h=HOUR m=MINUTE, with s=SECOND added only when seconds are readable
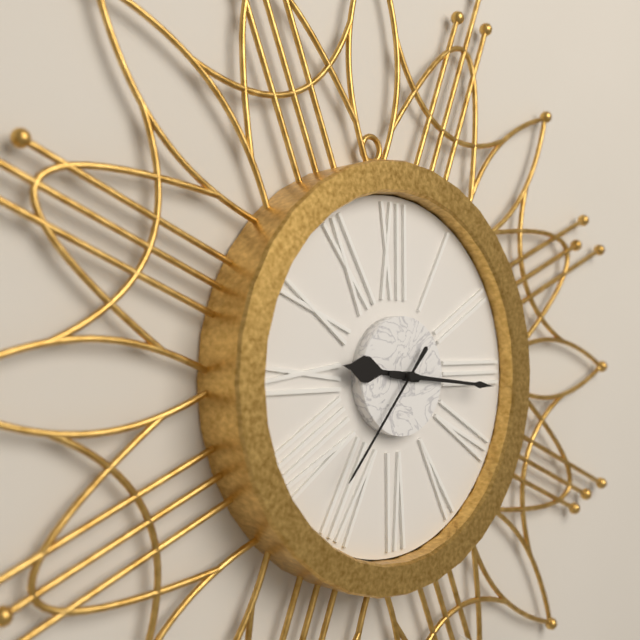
h=9 m=16 s=37
